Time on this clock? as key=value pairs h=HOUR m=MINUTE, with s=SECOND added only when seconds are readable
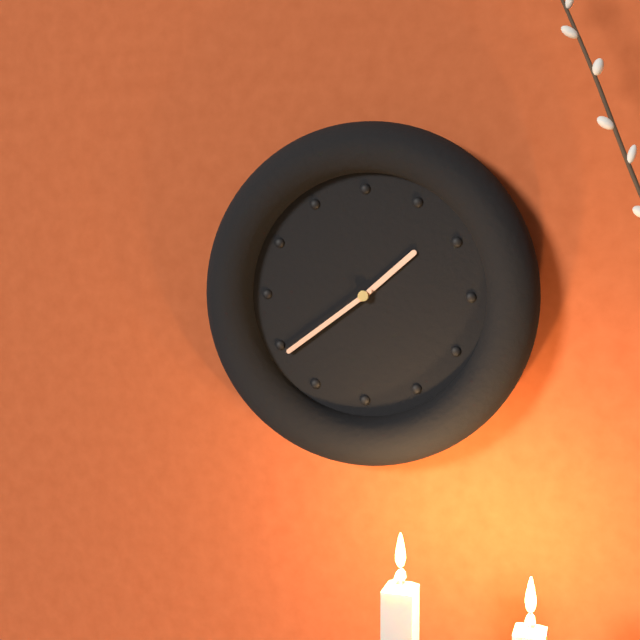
h=1 m=39
